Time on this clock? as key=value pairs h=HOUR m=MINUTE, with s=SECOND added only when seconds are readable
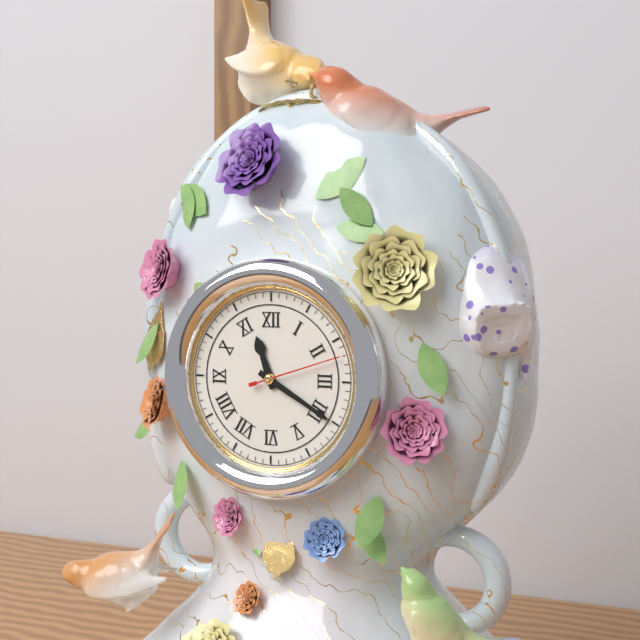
h=11 m=20 s=12
